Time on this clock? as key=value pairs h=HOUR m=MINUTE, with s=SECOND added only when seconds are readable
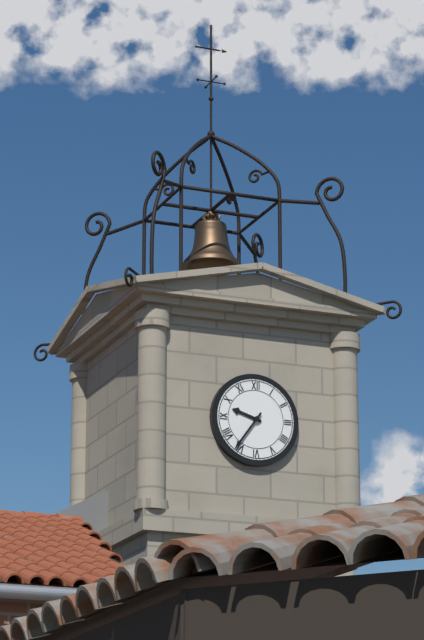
h=9 m=36
